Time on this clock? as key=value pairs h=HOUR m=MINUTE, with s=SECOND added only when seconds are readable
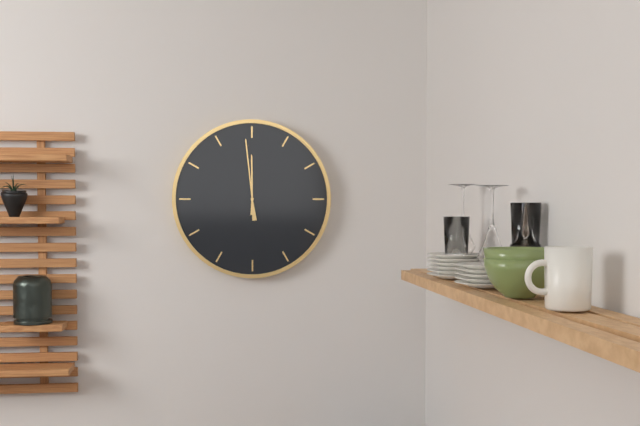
h=11 m=59
